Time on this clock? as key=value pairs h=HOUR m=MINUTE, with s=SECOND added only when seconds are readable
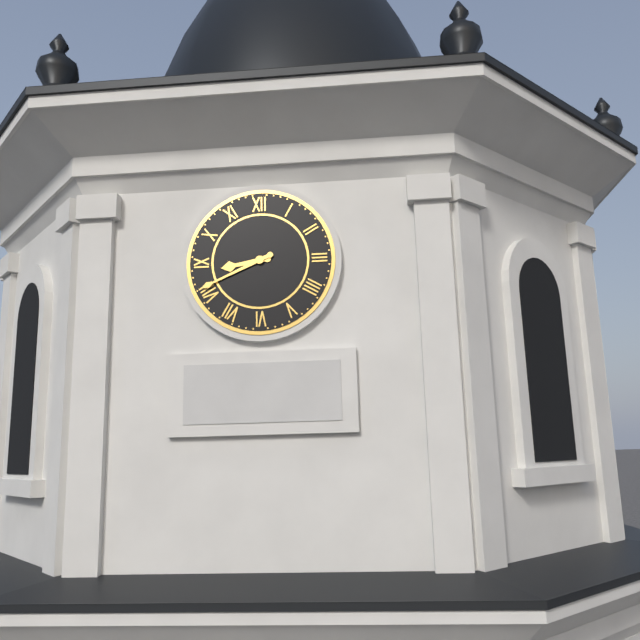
h=8 m=41
